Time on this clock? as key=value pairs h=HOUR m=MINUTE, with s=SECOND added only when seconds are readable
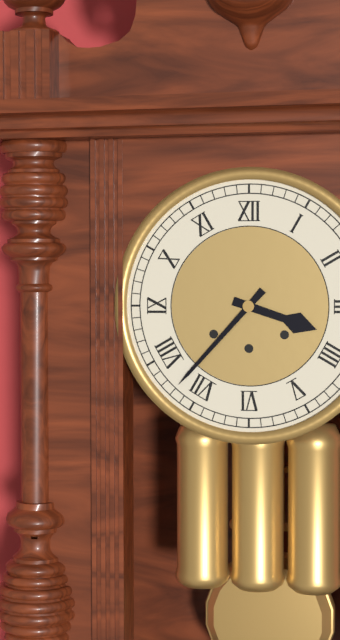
h=3 m=37
